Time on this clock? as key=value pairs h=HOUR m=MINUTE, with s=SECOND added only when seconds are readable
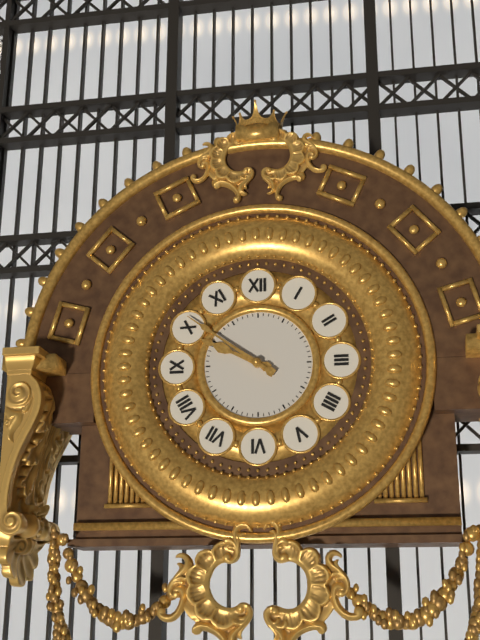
h=9 m=51
